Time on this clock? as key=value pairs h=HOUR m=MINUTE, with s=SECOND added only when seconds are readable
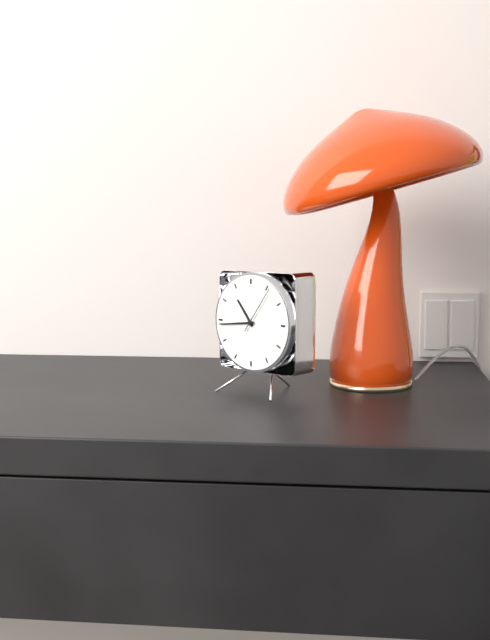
h=10 m=44
